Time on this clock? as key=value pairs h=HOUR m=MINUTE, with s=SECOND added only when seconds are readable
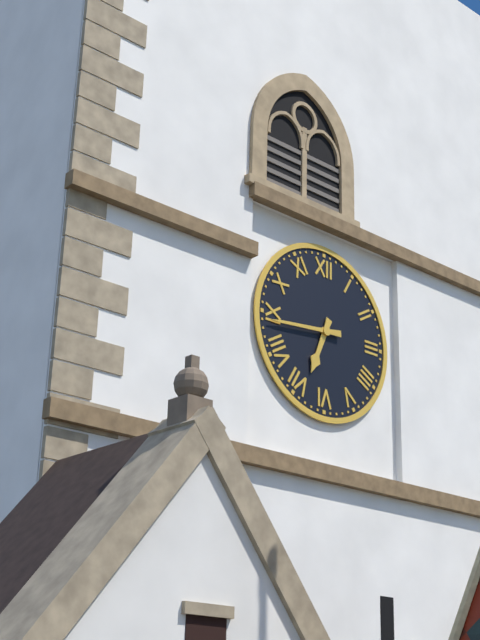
h=6 m=44
